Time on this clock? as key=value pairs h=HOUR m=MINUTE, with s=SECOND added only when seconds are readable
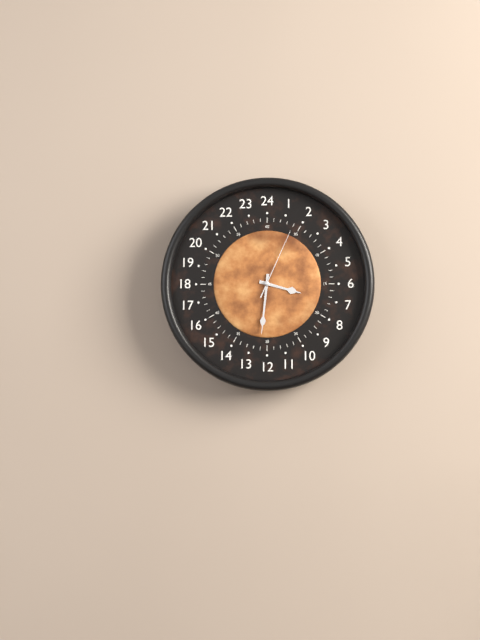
h=3 m=31 s=4
